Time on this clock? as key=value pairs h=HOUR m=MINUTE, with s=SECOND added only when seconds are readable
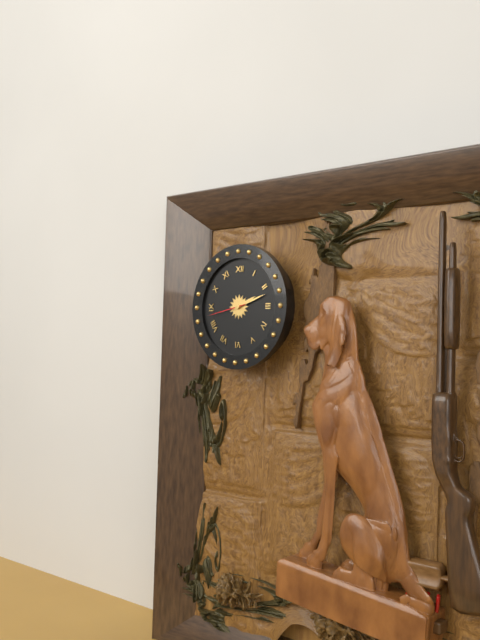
h=2 m=12
